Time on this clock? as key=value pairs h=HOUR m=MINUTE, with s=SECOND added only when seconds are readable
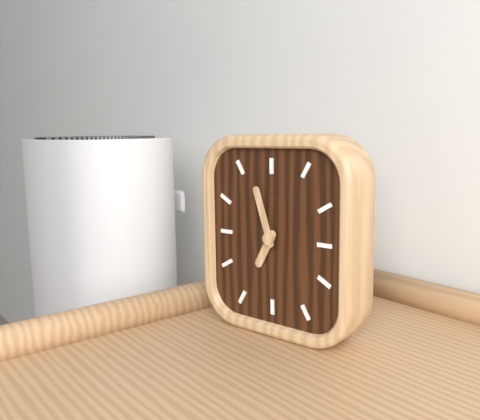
h=6 m=57
